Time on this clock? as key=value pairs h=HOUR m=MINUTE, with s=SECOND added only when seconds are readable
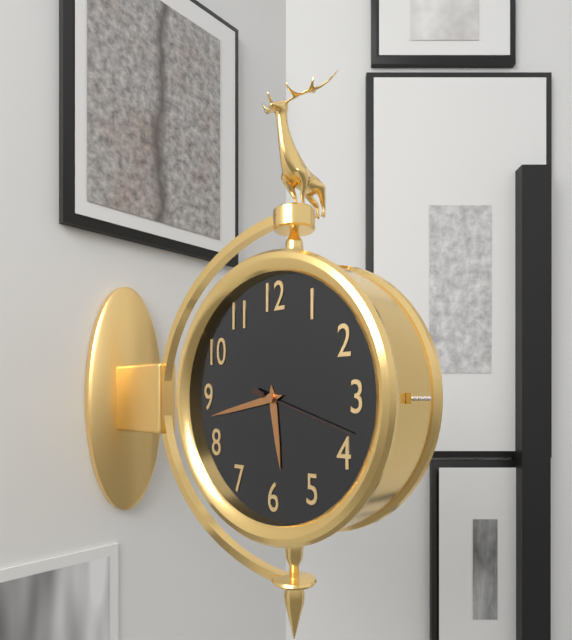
h=5 m=43 s=18
